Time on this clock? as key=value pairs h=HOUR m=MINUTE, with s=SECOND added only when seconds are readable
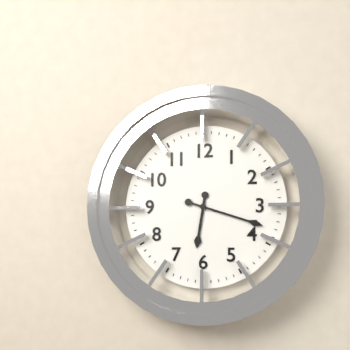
h=6 m=18
